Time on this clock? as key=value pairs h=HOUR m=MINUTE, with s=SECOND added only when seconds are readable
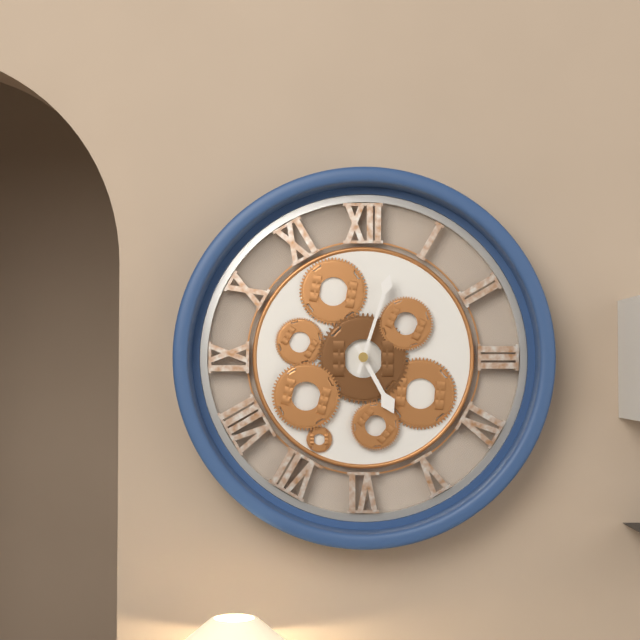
h=5 m=3
